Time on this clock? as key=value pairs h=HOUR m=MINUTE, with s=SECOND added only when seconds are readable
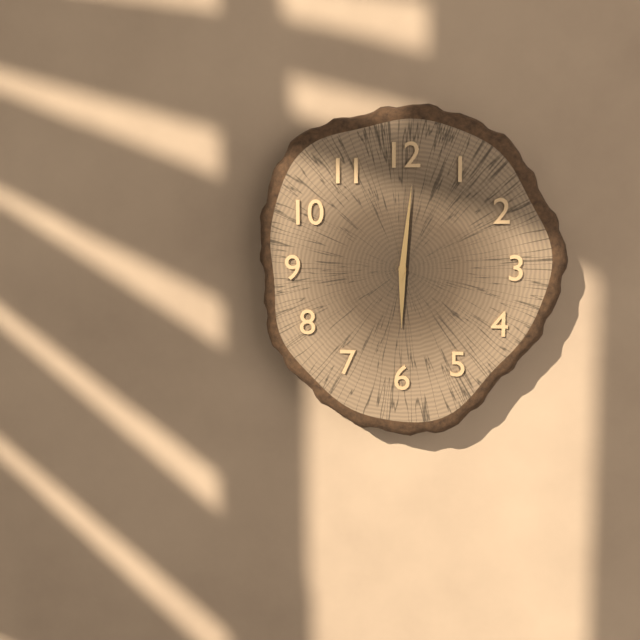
h=6 m=1
